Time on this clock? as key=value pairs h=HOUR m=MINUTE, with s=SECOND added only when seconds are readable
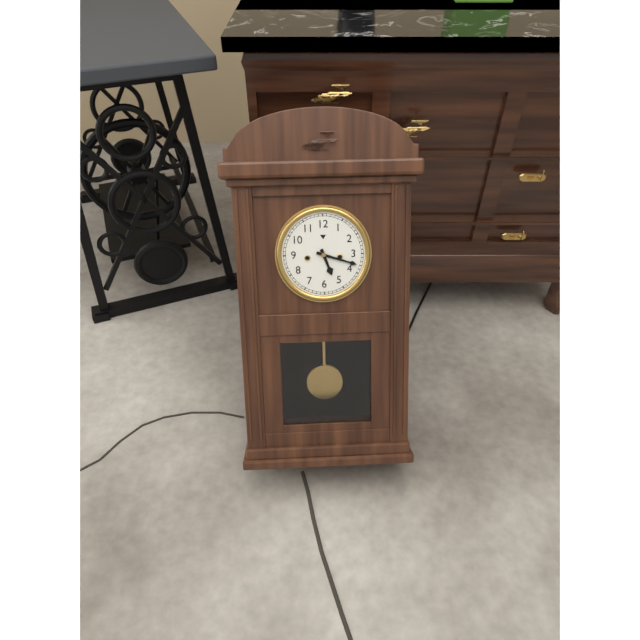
h=5 m=18
